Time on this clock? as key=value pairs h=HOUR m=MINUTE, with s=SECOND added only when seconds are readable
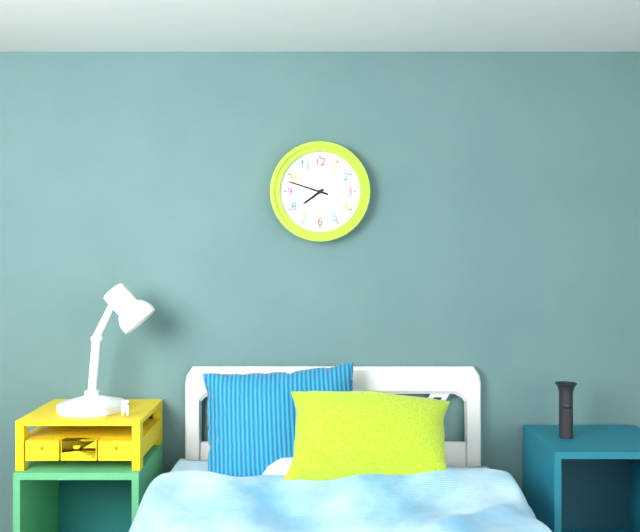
h=7 m=48
